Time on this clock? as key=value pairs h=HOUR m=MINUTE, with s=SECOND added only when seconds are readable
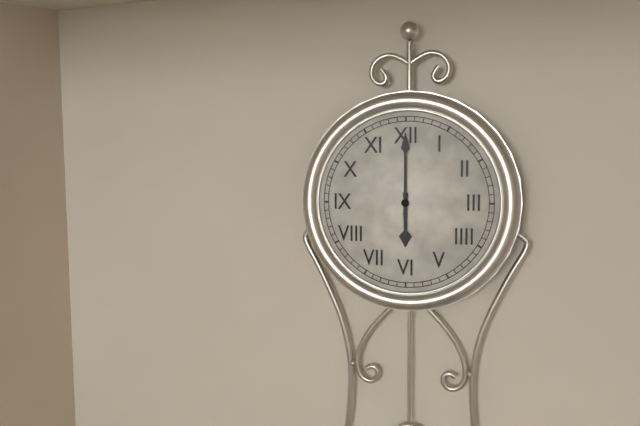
h=6 m=0
